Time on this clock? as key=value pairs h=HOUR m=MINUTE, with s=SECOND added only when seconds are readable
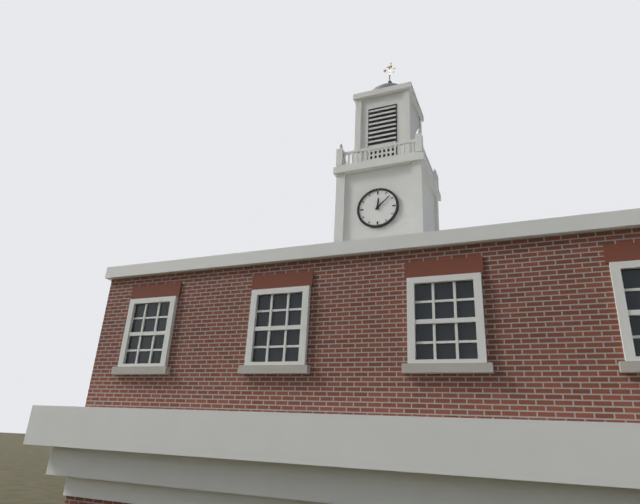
h=12 m=8
